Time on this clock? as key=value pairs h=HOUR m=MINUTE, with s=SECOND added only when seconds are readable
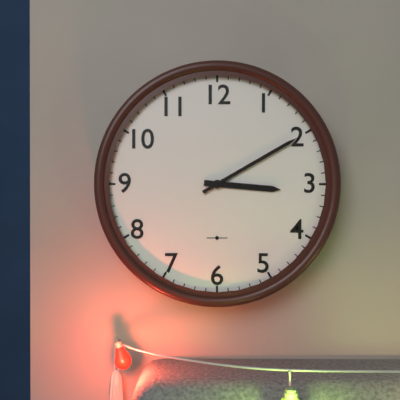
h=3 m=10
